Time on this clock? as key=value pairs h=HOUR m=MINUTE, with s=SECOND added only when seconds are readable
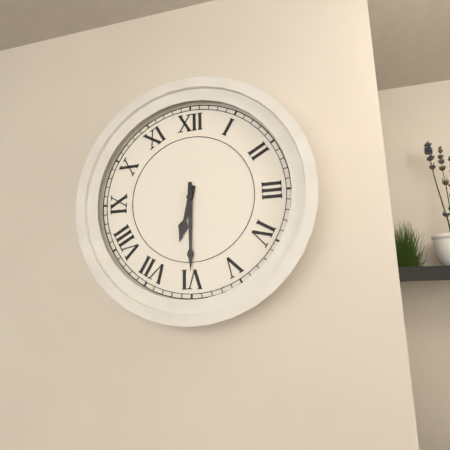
h=6 m=30
